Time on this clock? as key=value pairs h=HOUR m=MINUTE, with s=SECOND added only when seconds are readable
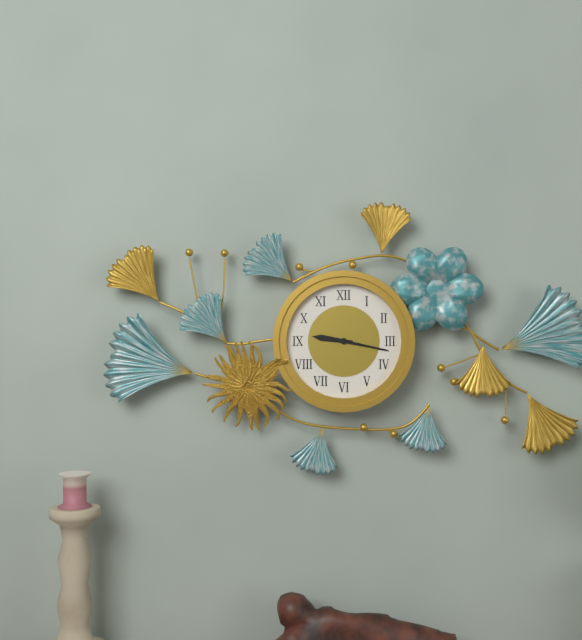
h=9 m=17
